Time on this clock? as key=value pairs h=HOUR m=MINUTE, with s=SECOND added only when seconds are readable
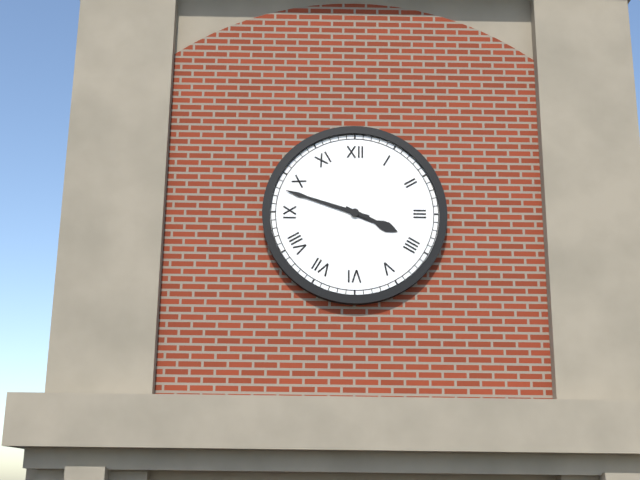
h=3 m=48
